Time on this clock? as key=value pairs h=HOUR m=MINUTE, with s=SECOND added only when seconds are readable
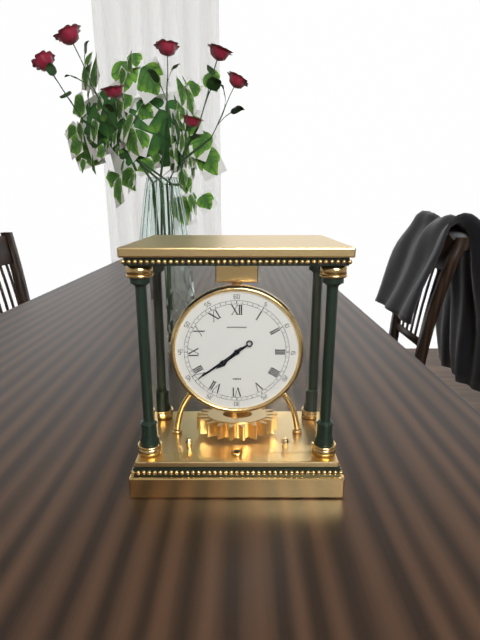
h=7 m=39
